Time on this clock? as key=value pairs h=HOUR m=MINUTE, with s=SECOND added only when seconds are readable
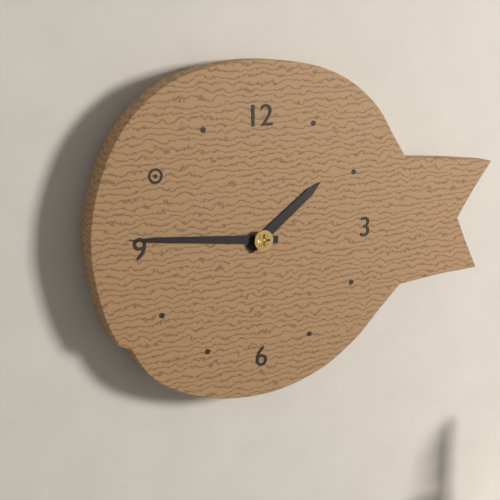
h=1 m=46
